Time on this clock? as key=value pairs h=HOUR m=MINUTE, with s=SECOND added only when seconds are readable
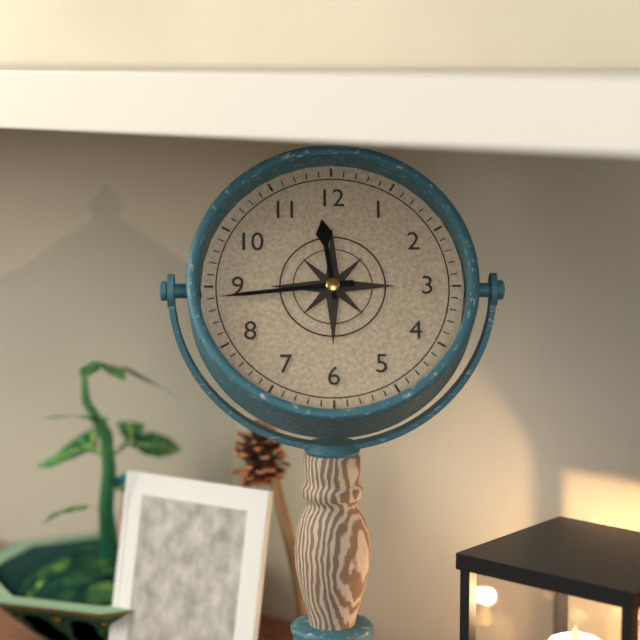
h=11 m=44
